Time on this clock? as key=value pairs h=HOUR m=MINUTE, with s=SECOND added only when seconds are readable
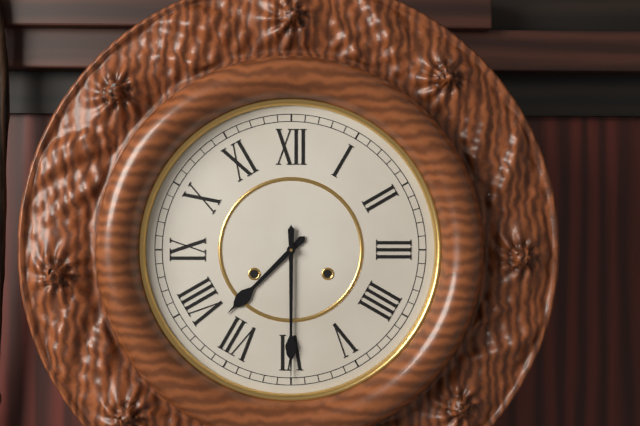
h=7 m=30
